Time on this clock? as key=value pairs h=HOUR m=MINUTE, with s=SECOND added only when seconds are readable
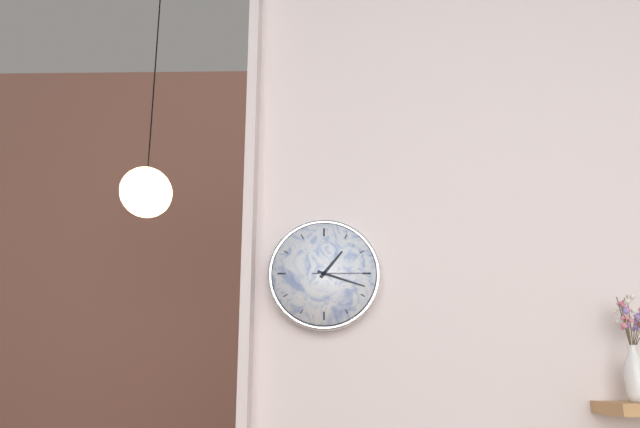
h=1 m=18 s=15
